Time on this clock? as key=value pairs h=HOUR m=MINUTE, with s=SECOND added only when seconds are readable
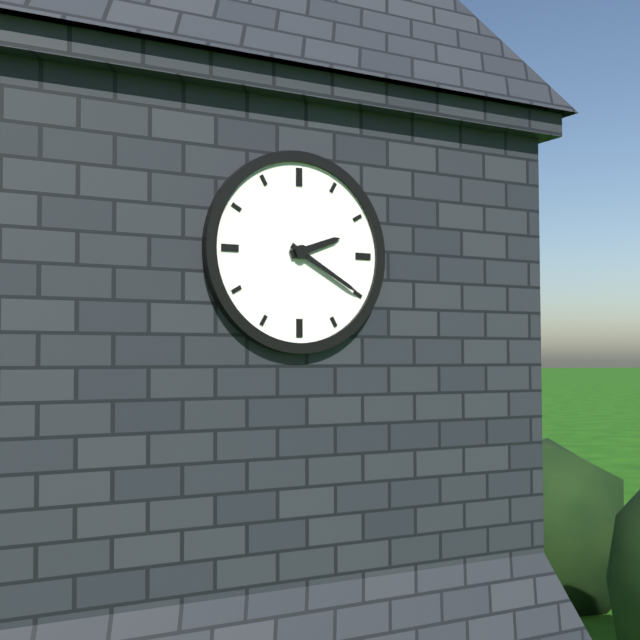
h=2 m=20
